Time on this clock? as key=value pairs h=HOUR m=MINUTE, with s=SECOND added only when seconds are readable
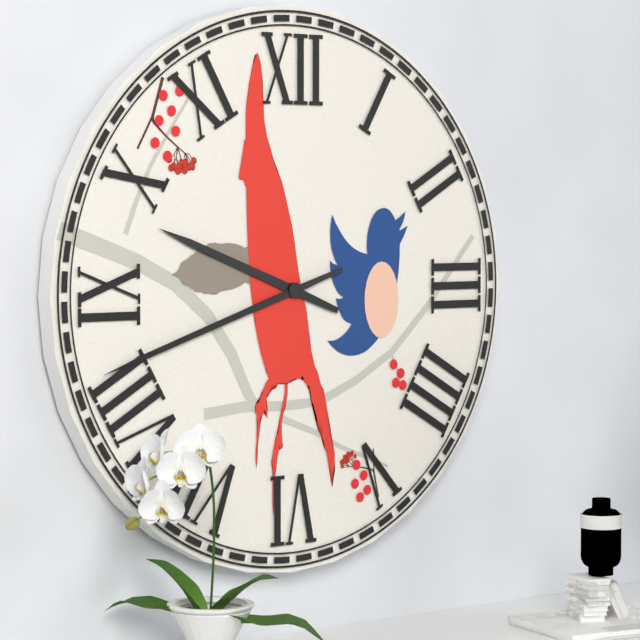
h=9 m=42
